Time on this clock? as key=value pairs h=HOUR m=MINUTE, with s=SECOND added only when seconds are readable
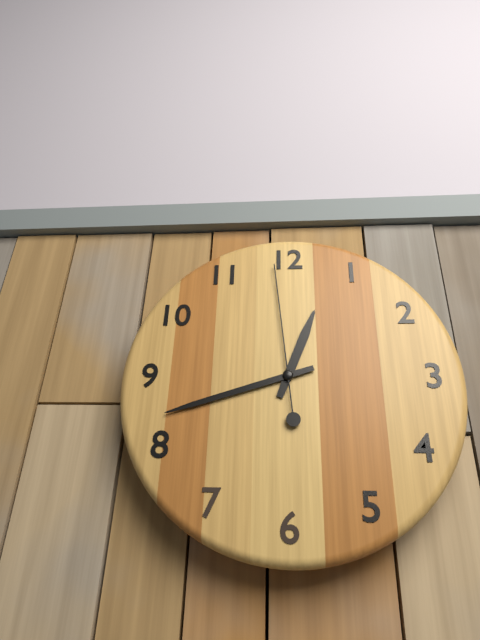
h=12 m=42 s=59
